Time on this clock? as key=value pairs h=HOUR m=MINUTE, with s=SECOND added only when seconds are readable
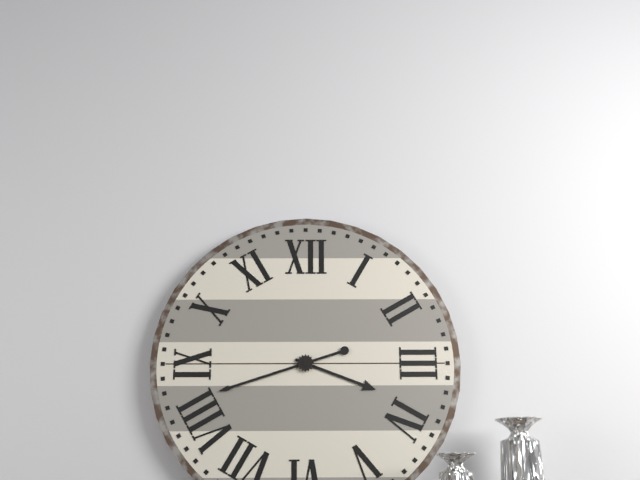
h=3 m=42
